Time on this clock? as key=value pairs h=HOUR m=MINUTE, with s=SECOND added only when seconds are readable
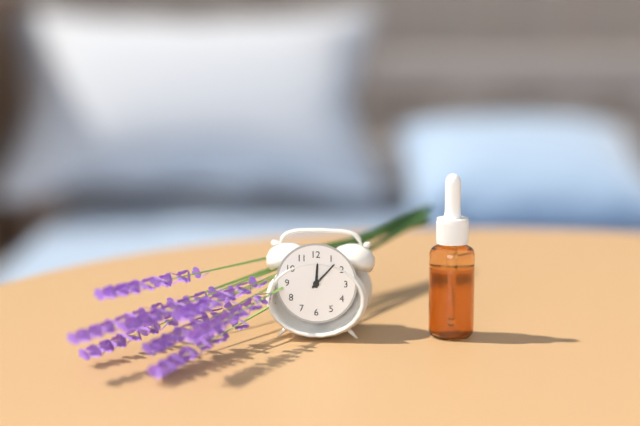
h=12 m=7
